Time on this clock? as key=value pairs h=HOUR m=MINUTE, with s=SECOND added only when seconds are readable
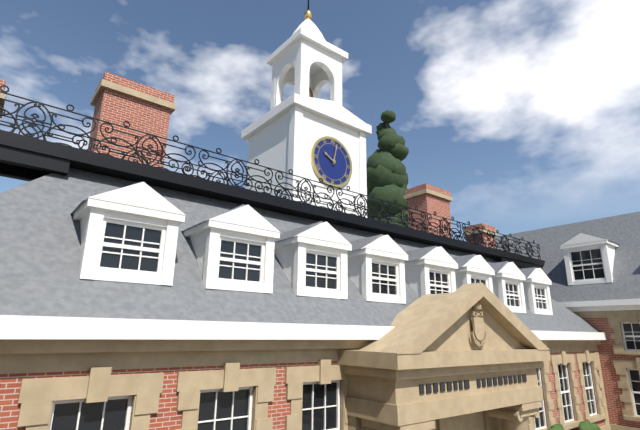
h=10 m=2
